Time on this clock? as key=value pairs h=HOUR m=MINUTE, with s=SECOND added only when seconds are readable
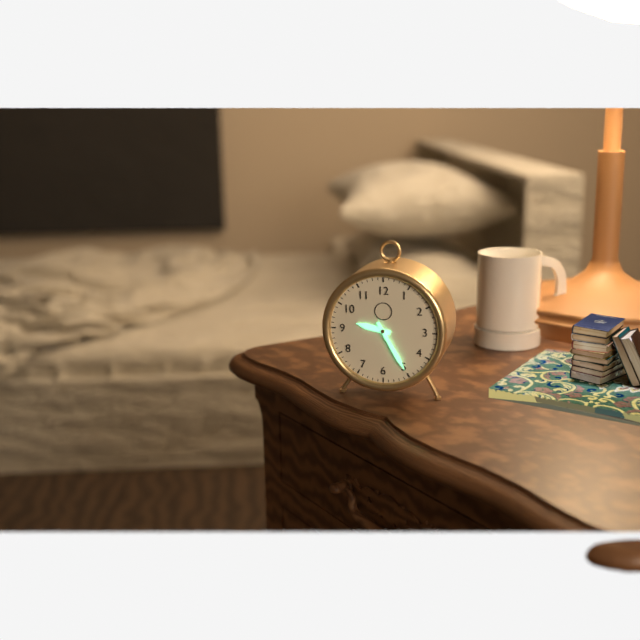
h=9 m=25
